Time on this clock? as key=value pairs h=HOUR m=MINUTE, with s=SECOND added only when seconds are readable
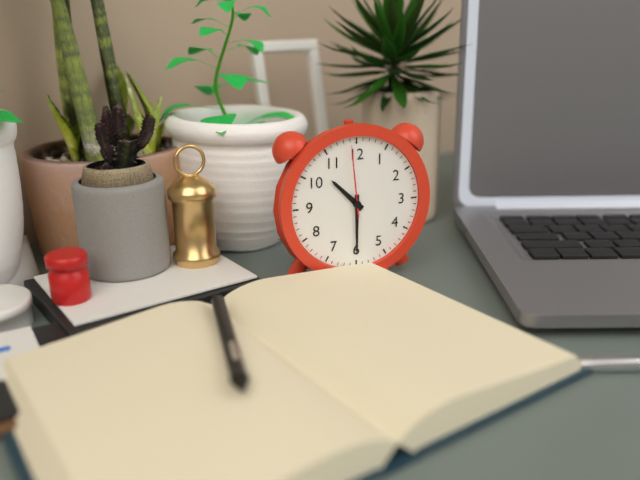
h=10 m=30 s=59
